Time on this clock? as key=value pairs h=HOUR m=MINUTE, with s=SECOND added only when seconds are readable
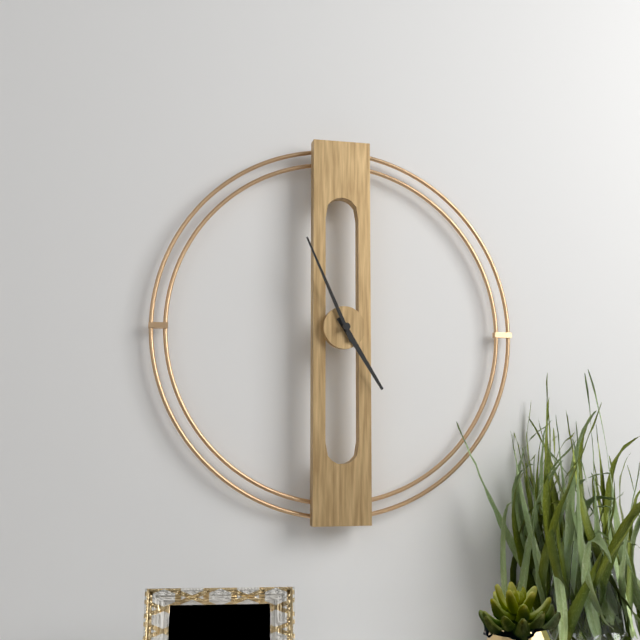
h=4 m=56
